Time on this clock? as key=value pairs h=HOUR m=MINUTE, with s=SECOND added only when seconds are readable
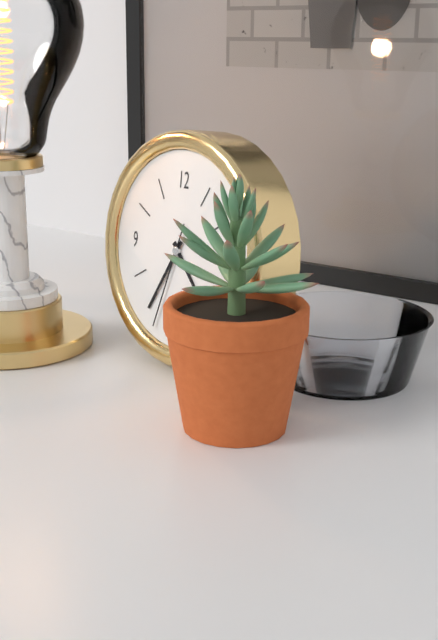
h=4 m=35 s=33
